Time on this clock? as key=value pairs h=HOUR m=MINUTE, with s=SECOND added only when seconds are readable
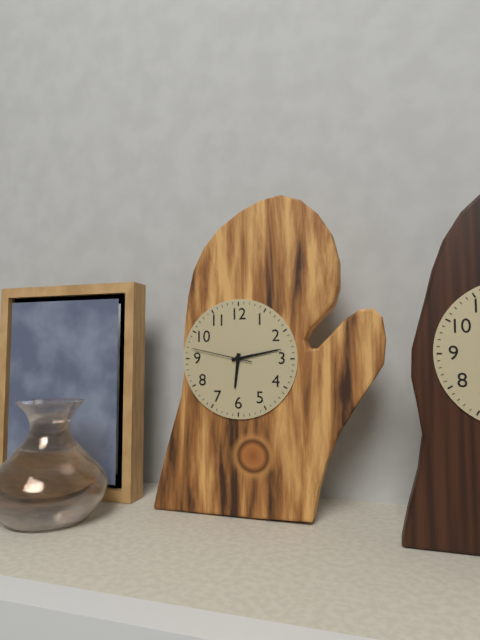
h=6 m=13 s=47
